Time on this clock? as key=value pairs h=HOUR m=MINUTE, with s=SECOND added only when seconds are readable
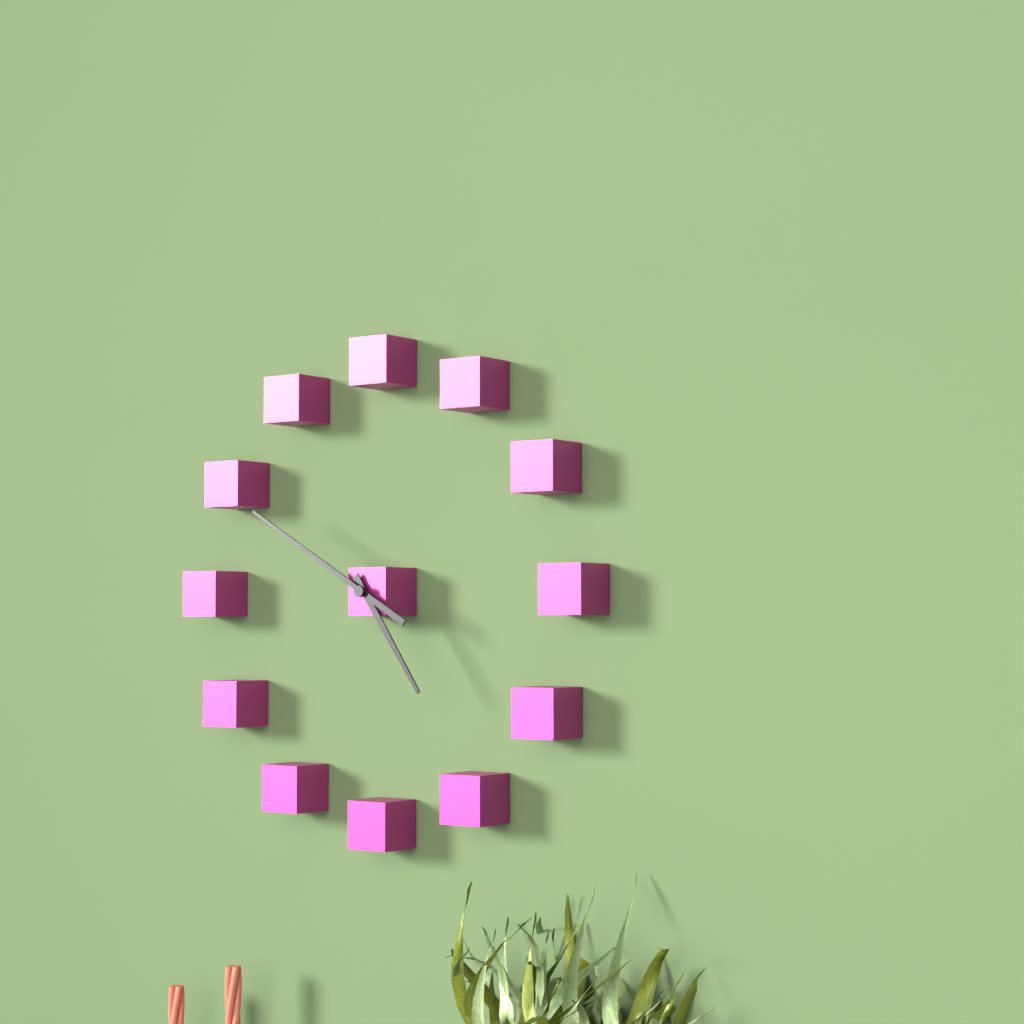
h=4 m=50
